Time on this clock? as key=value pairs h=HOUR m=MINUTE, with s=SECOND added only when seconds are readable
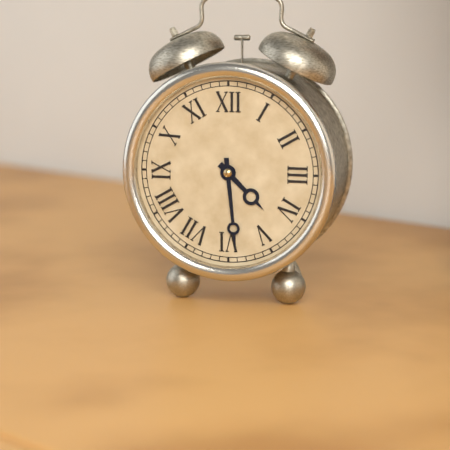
h=4 m=29
